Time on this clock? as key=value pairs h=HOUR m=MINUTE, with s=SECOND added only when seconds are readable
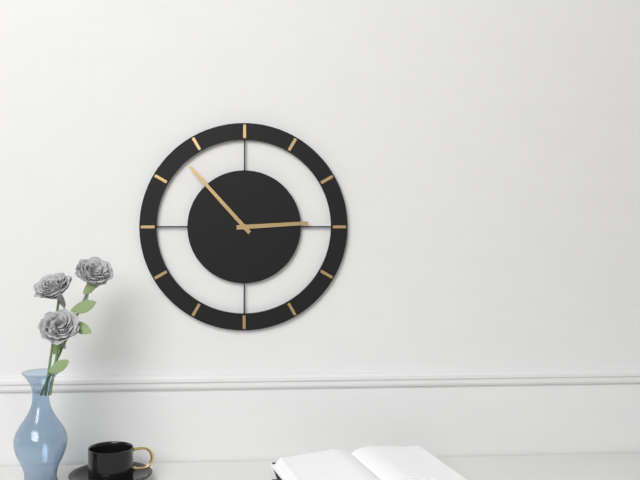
h=2 m=53
